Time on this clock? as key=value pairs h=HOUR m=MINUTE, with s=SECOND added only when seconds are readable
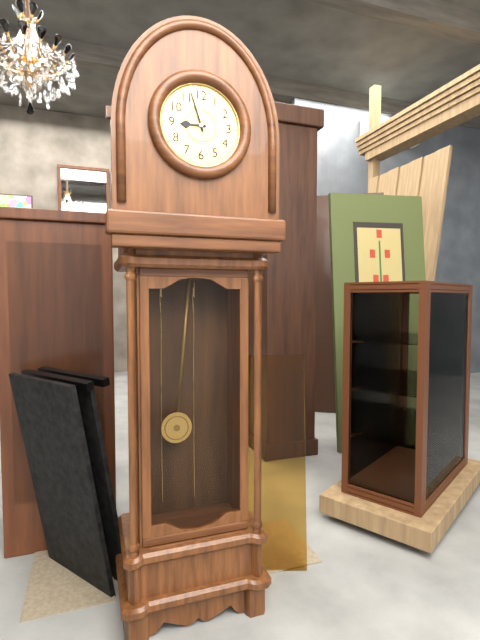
h=8 m=57
